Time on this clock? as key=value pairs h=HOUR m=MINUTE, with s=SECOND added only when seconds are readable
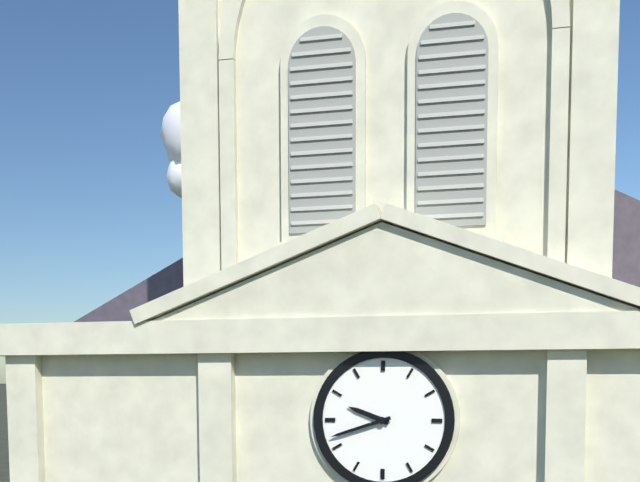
h=9 m=42
